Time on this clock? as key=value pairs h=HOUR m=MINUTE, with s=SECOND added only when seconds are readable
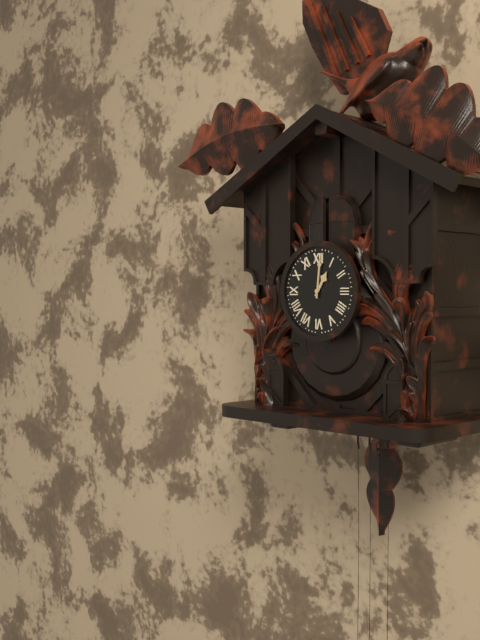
h=1 m=1
